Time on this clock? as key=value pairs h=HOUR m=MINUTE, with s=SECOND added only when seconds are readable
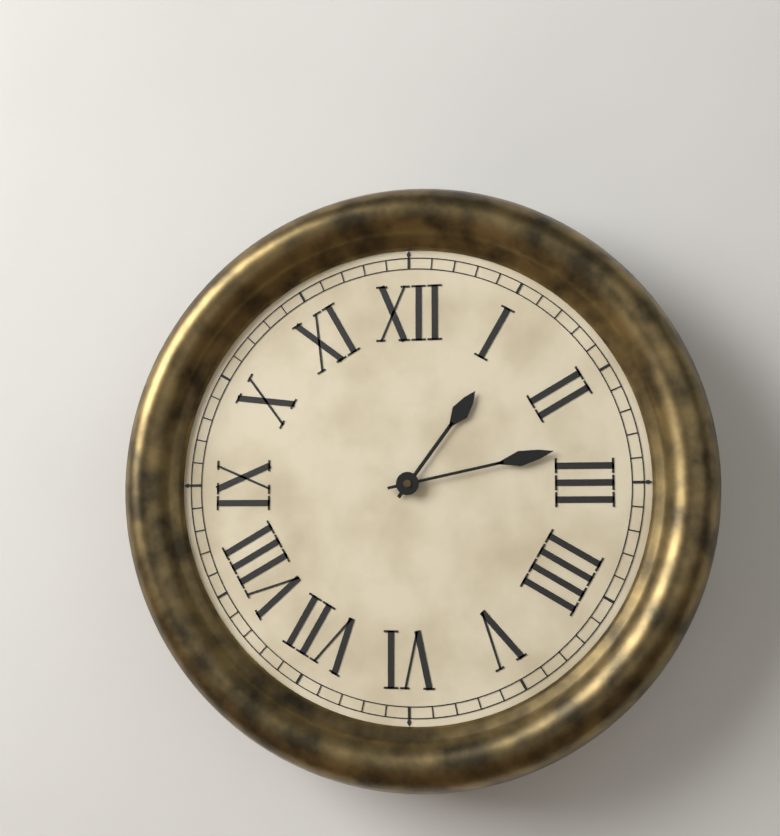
h=1 m=13
